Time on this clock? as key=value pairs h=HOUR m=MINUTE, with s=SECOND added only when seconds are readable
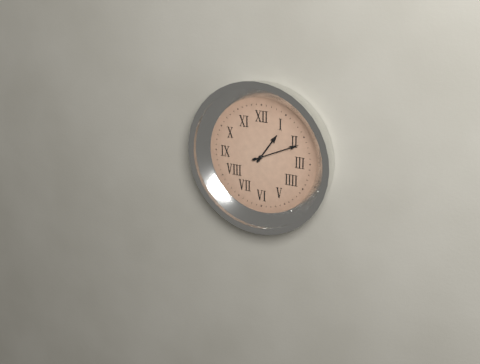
h=1 m=11
